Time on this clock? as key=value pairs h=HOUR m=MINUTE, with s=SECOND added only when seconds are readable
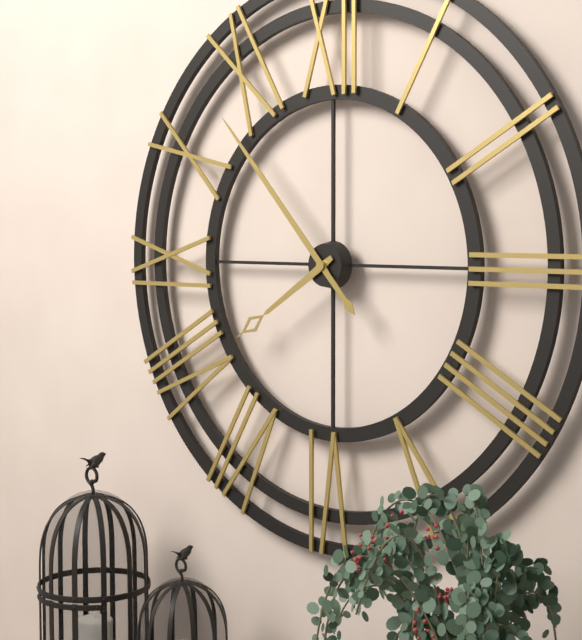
h=7 m=53
